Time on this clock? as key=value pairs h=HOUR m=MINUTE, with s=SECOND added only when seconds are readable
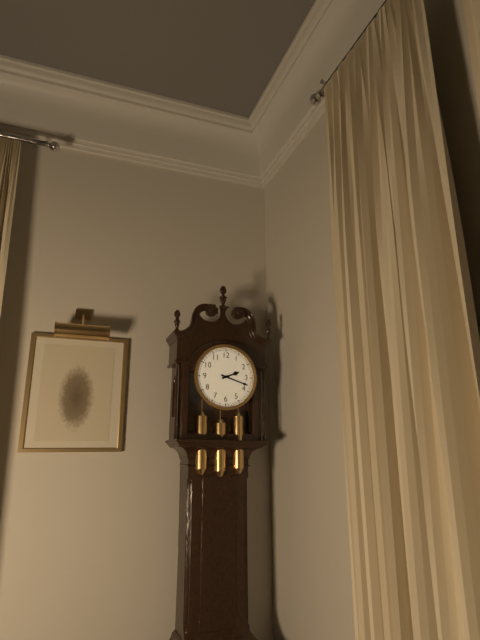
h=2 m=18
